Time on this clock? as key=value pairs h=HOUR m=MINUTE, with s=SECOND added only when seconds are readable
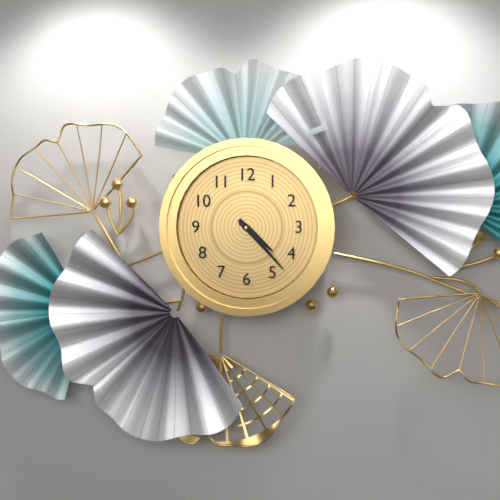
h=4 m=23
